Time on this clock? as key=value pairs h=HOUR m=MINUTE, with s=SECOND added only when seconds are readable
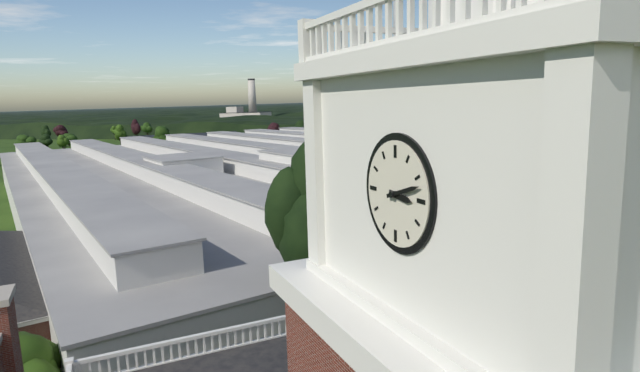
h=3 m=12
